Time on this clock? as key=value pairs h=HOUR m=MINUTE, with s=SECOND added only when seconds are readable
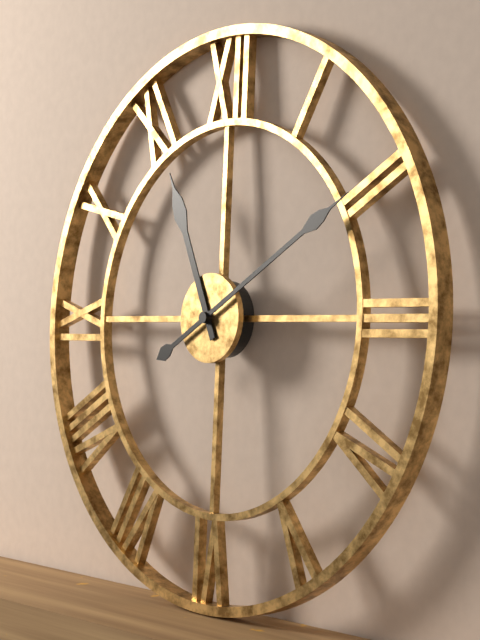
h=11 m=10
